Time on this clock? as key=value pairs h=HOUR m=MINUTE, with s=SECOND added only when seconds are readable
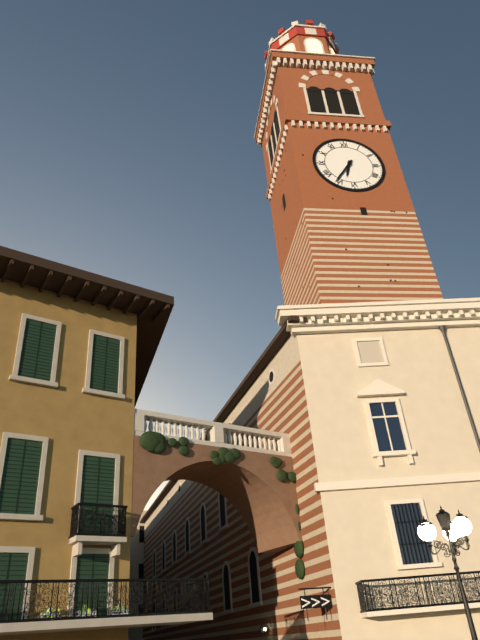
h=6 m=36
